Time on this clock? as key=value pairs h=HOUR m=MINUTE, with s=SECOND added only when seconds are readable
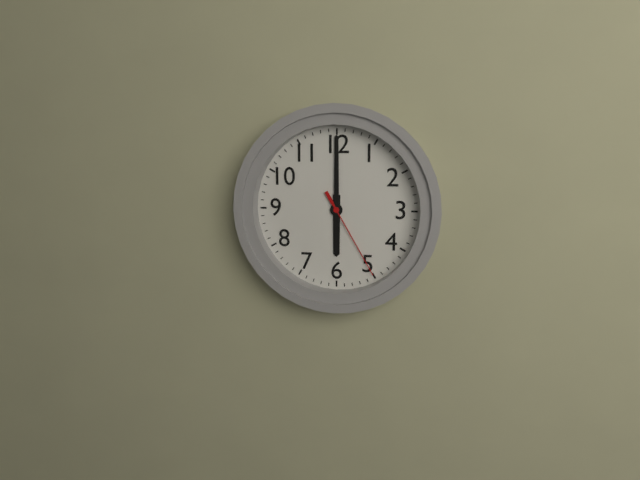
h=6 m=0 s=25
